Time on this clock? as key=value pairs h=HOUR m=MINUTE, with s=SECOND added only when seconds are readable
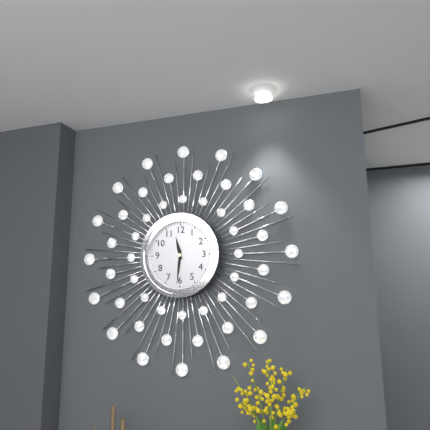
h=11 m=31
